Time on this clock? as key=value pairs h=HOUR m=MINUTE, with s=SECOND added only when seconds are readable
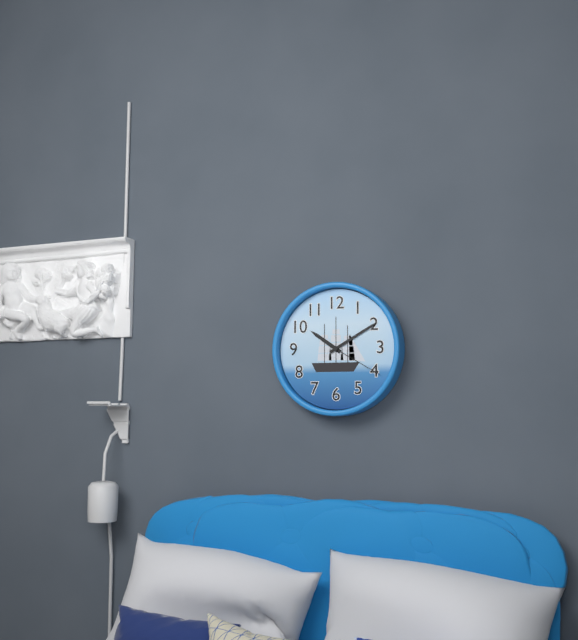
h=10 m=10 s=20
